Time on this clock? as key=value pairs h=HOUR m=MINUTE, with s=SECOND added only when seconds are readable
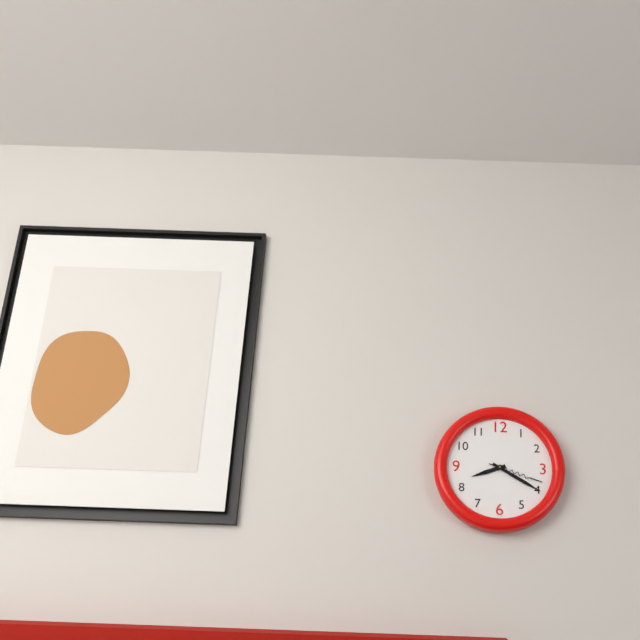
h=8 m=20 s=18
